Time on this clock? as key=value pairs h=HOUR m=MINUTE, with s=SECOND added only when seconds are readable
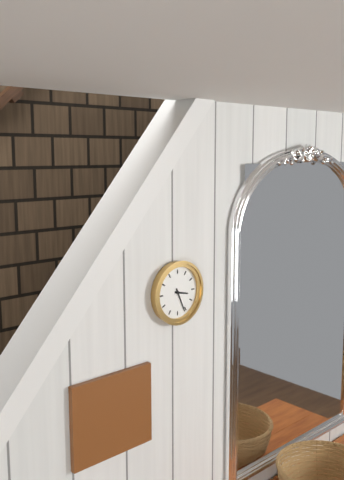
h=3 m=26
